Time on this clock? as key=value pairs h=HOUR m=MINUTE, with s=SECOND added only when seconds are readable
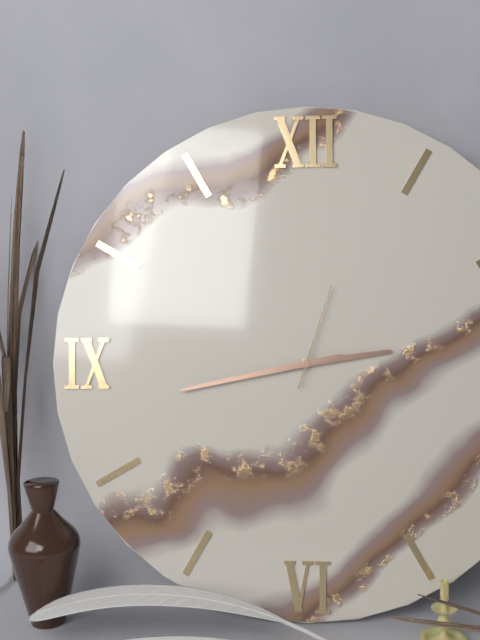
h=2 m=43 s=3
